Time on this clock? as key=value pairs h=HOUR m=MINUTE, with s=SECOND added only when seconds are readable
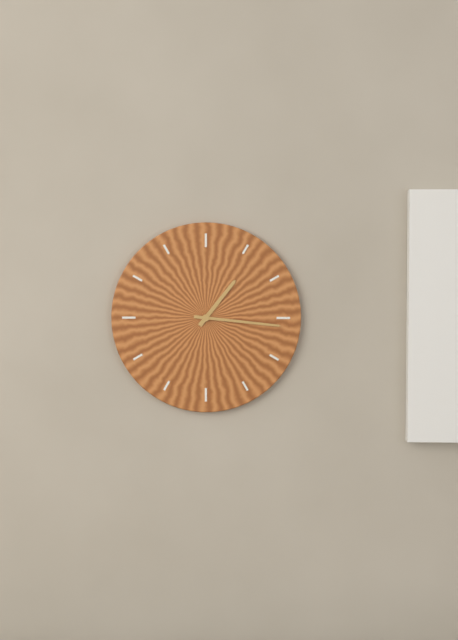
h=1 m=16
